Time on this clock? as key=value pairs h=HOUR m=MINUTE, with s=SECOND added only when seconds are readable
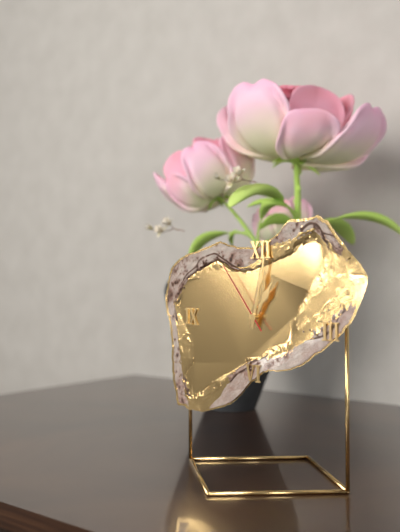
h=1 m=2 s=54
